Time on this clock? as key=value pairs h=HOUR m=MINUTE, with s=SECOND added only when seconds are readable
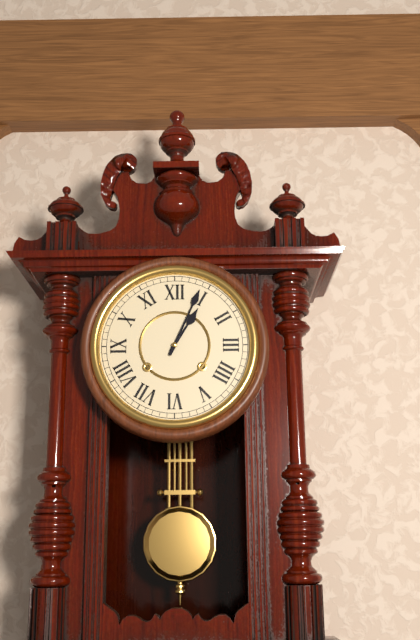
h=1 m=4
